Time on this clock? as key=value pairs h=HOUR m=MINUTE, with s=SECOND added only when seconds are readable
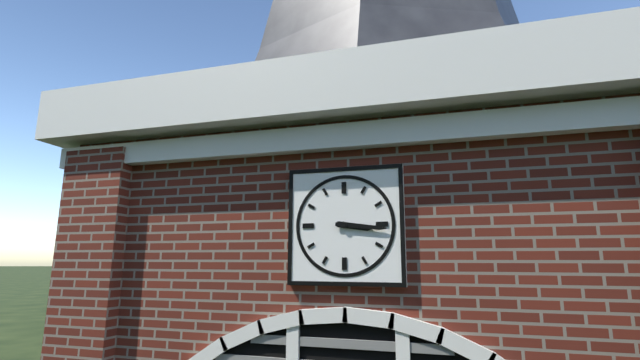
h=3 m=16
